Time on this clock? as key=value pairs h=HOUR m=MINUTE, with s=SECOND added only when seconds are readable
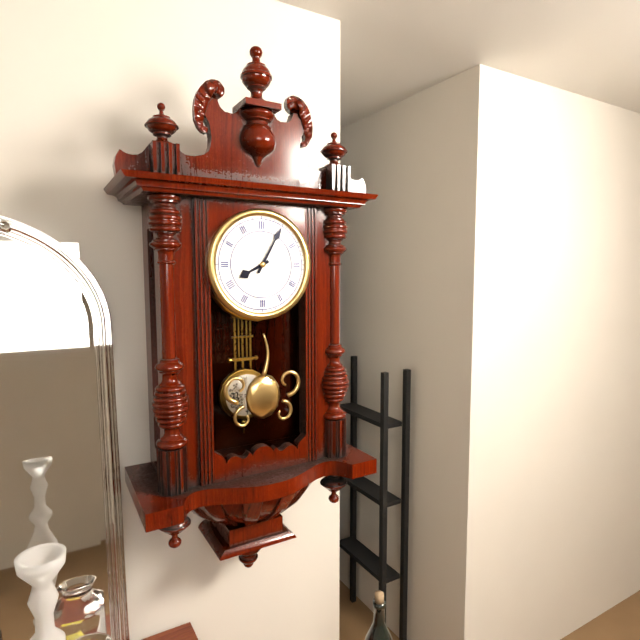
h=8 m=5
